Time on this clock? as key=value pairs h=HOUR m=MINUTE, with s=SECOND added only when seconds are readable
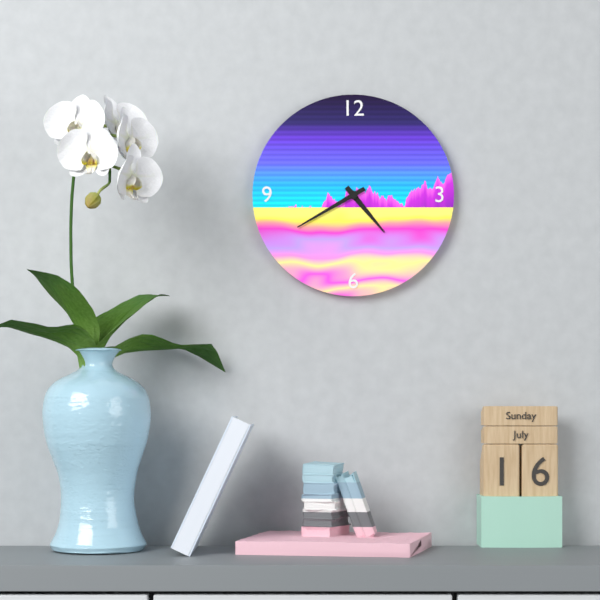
h=4 m=40
